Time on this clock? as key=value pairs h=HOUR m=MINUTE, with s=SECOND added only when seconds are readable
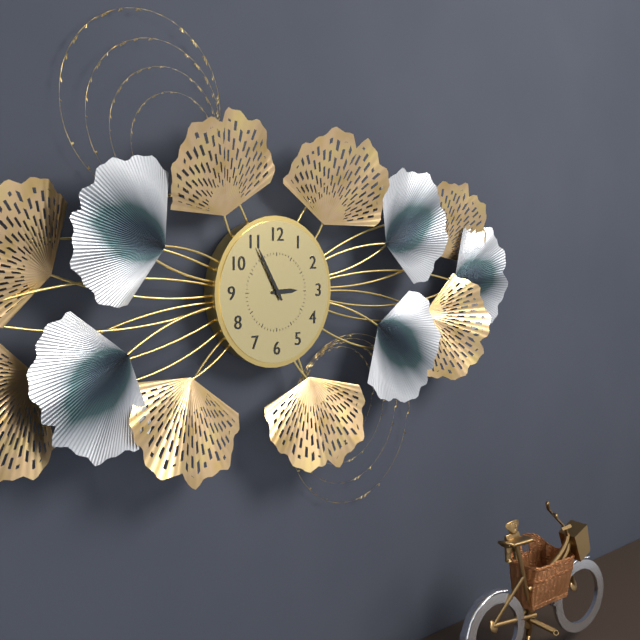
h=2 m=55
